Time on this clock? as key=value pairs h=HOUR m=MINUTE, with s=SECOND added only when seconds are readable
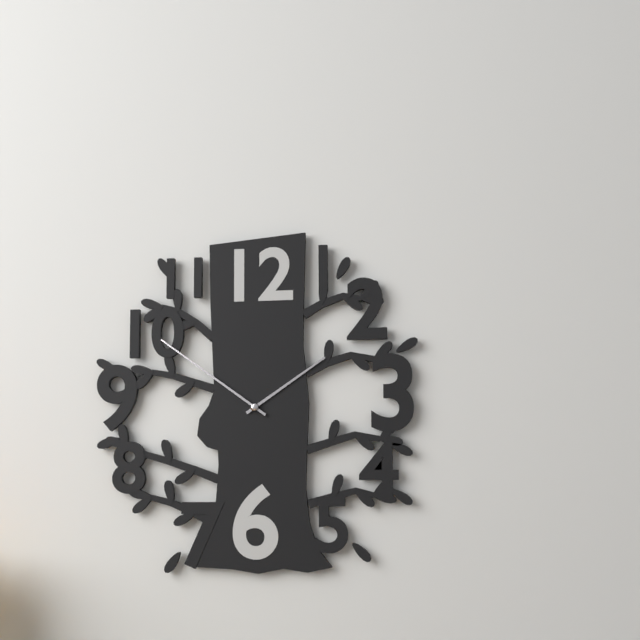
h=1 m=51
